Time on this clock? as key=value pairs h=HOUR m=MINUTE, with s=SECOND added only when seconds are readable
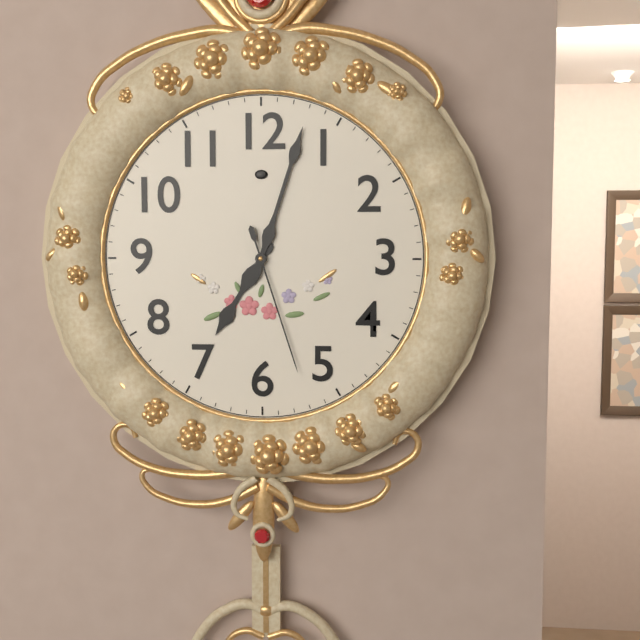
h=7 m=3 s=27
